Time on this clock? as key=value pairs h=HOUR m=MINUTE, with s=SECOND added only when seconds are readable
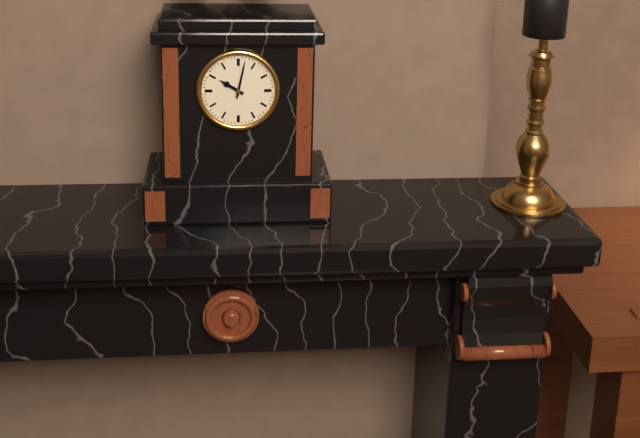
h=10 m=2
